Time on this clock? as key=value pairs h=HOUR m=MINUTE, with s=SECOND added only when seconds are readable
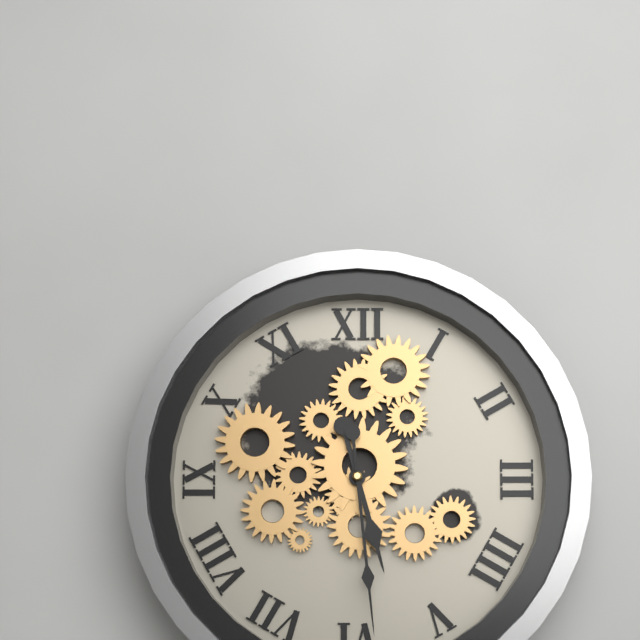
h=5 m=29
